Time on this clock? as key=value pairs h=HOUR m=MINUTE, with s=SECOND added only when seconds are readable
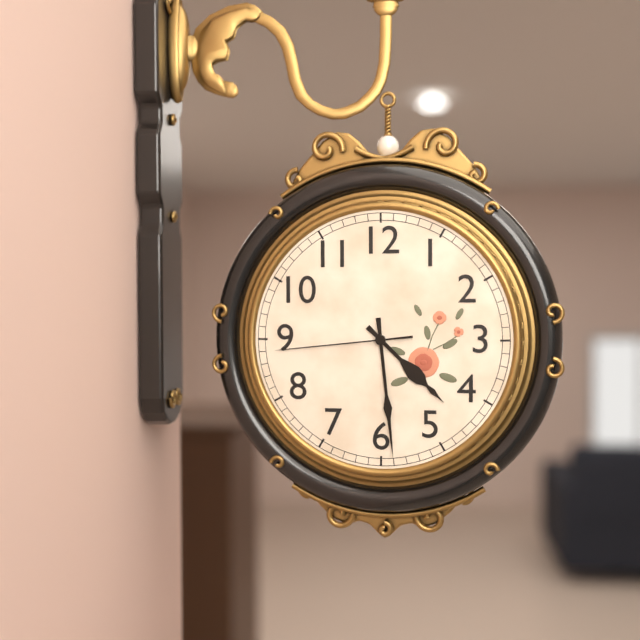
h=4 m=29 s=44
